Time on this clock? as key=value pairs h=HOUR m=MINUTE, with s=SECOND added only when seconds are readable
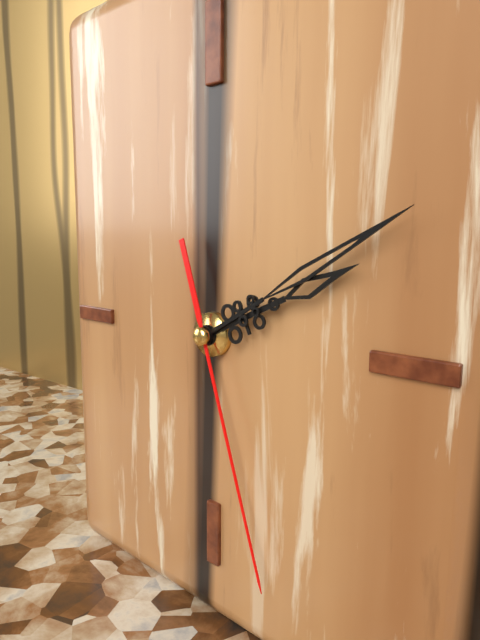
h=2 m=10 s=27
